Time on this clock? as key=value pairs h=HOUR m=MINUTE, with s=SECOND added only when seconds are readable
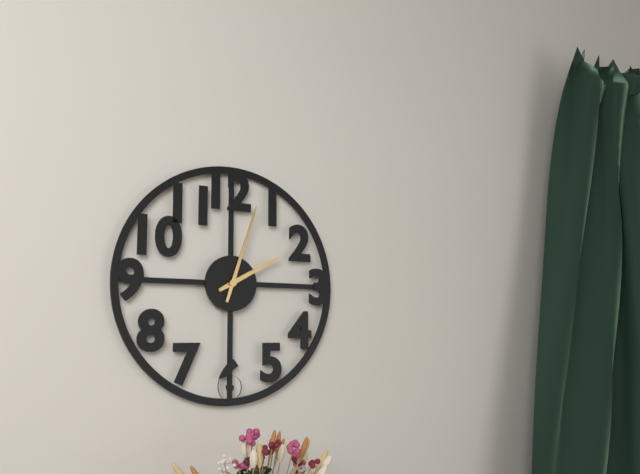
h=2 m=3
